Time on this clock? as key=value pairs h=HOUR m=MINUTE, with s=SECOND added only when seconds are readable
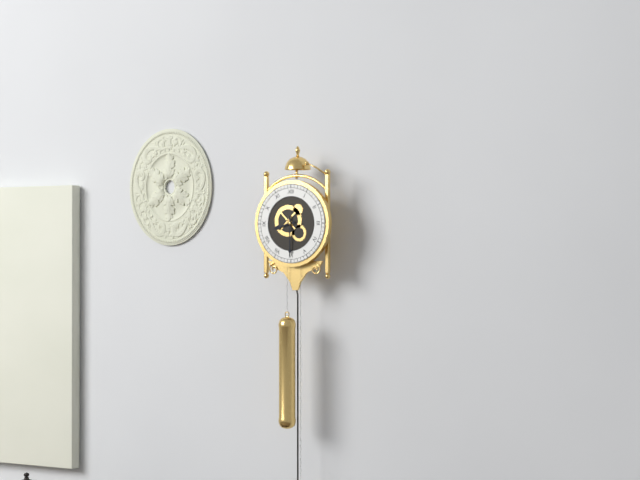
h=8 m=30
